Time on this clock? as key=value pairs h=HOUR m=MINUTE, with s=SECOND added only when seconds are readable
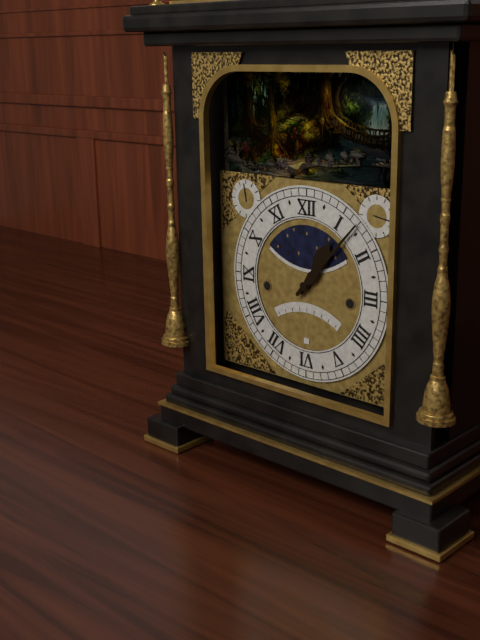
h=1 m=7
